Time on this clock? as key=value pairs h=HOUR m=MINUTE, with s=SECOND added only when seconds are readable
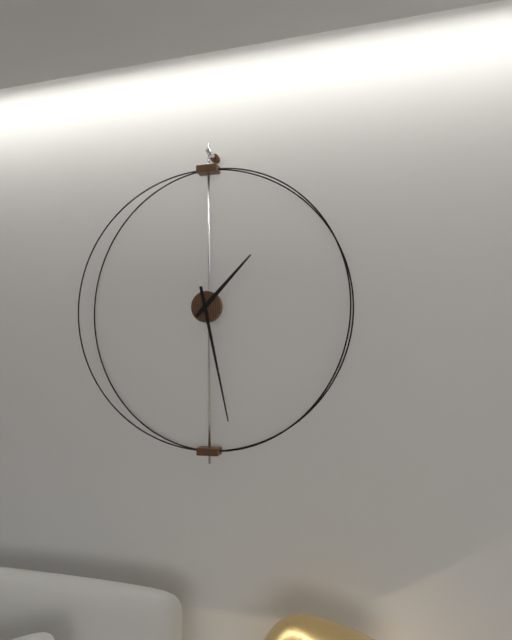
h=1 m=28
